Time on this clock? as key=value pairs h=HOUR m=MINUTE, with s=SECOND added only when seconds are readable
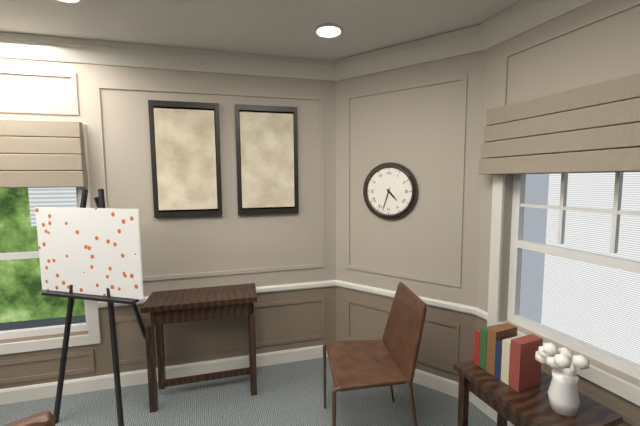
h=4 m=33
